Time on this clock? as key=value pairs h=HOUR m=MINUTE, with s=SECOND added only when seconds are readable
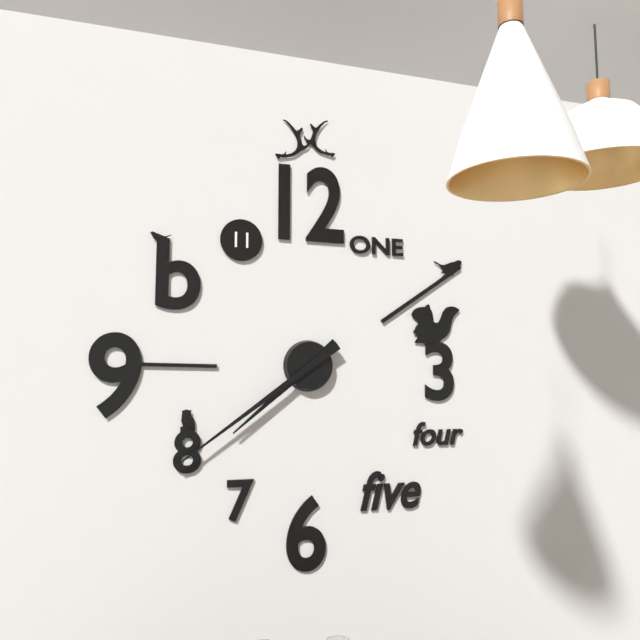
h=7 m=39
